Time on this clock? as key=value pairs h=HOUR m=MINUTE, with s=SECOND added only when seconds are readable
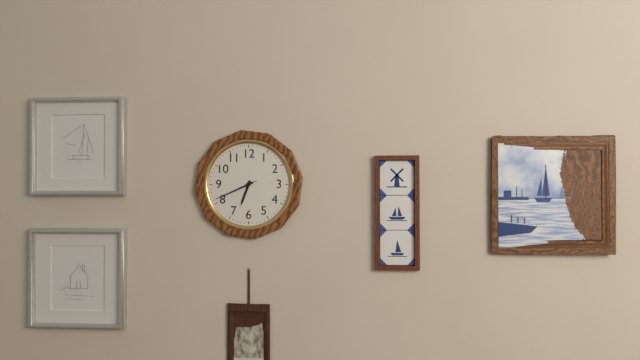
h=6 m=41
